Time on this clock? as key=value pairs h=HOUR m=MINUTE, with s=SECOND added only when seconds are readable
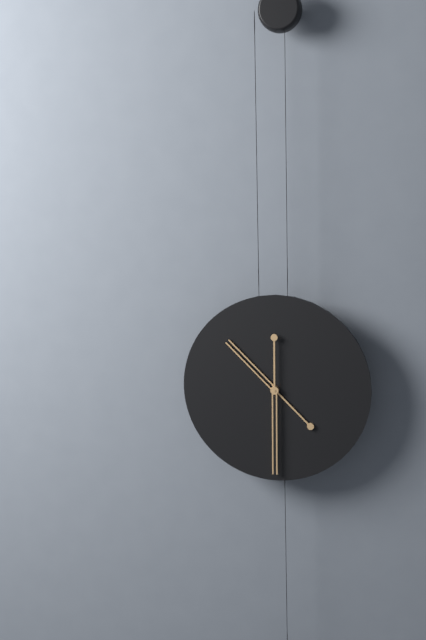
h=10 m=30
